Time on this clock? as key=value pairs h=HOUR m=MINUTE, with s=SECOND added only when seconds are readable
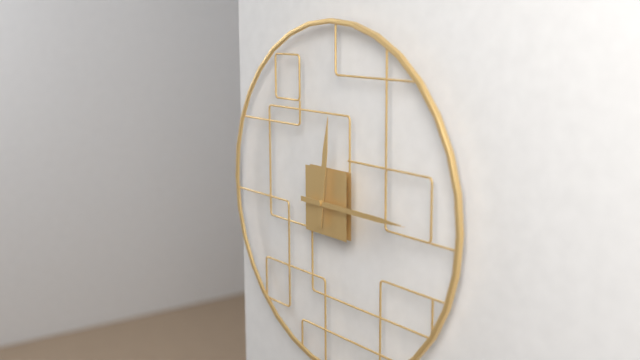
h=12 m=15
